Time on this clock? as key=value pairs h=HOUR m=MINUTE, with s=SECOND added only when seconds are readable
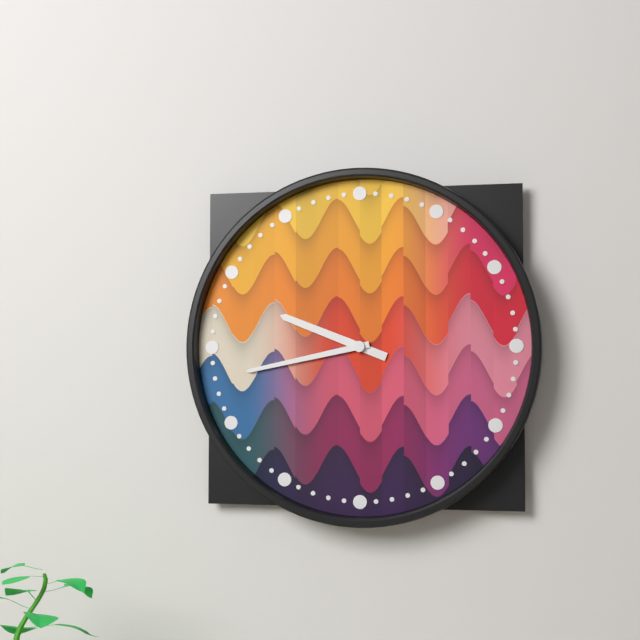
h=9 m=43
